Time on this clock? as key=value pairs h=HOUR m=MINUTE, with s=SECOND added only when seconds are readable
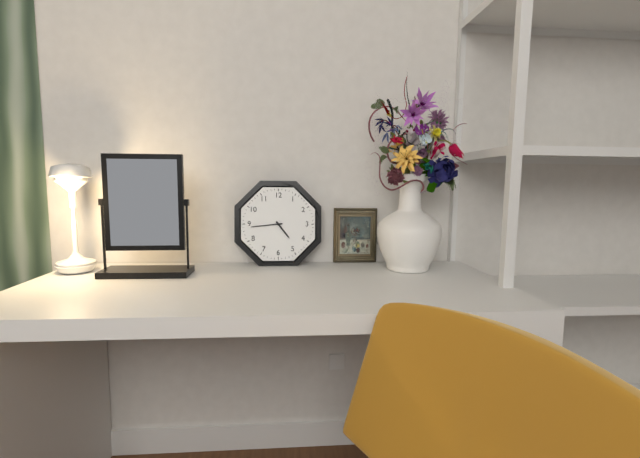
h=4 m=44
